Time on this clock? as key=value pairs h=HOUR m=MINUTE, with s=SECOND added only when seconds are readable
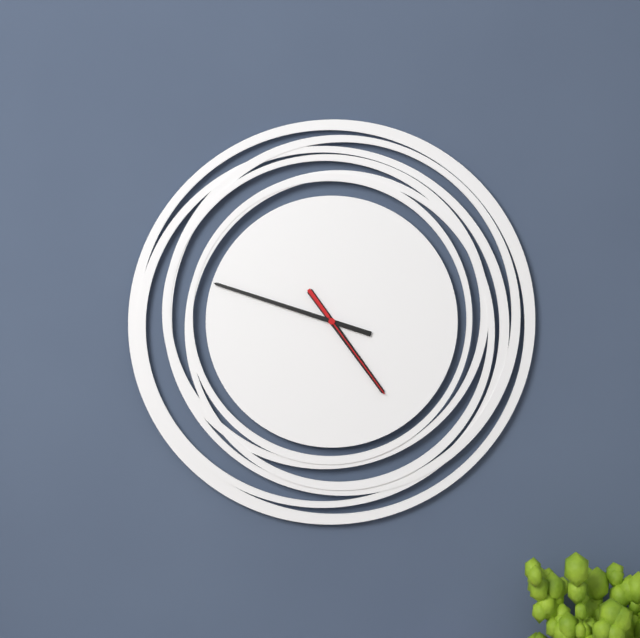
h=4 m=48 s=24
